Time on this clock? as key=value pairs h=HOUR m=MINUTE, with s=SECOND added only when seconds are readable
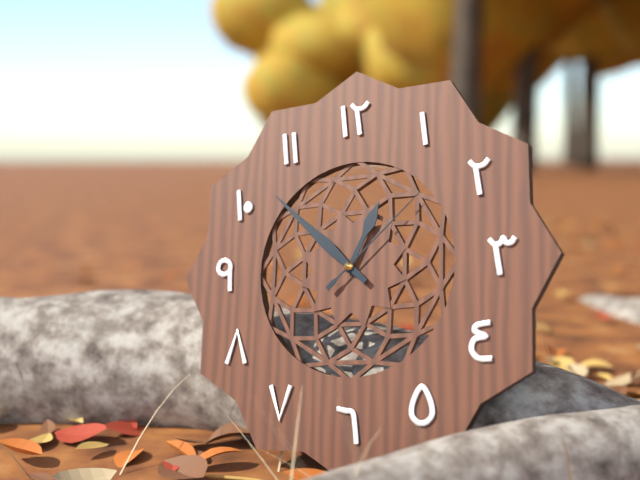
h=12 m=52 s=8
